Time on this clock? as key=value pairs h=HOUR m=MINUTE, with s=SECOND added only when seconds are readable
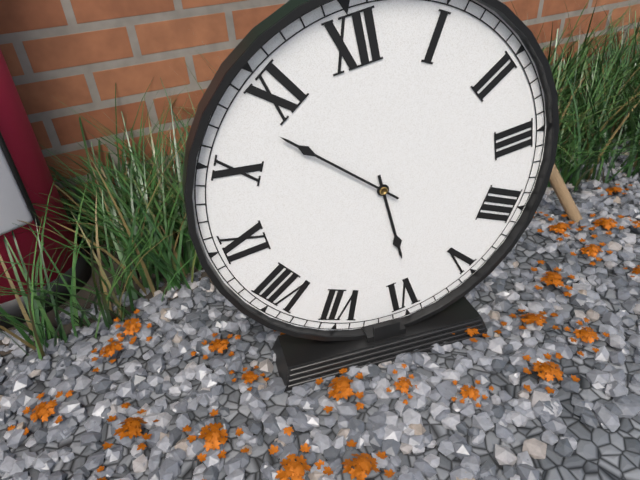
h=5 m=53
